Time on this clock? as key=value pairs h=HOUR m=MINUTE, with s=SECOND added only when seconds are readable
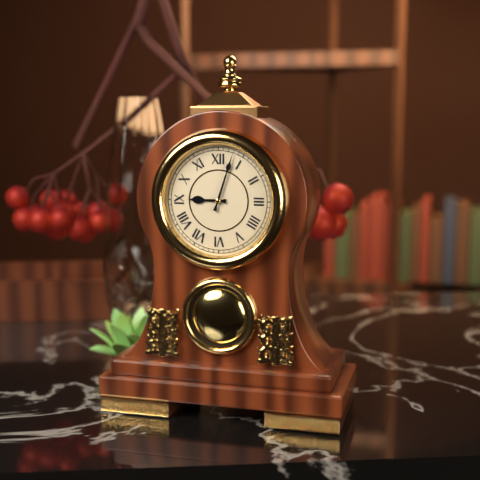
h=9 m=3
